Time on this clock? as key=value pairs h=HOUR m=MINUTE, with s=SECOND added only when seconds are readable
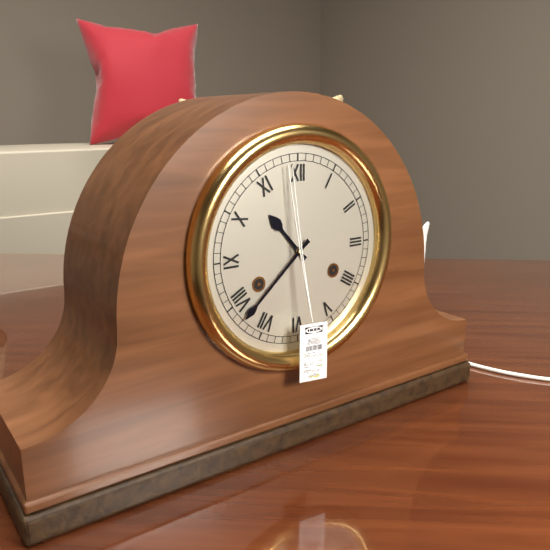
h=10 m=38
